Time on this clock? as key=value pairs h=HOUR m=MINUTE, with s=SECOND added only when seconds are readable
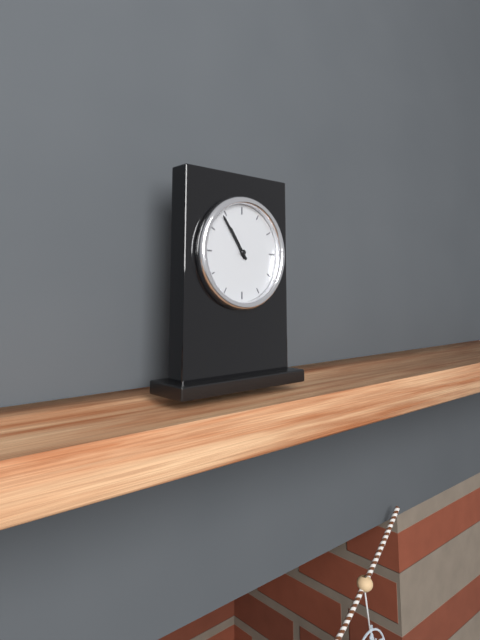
h=10 m=54
